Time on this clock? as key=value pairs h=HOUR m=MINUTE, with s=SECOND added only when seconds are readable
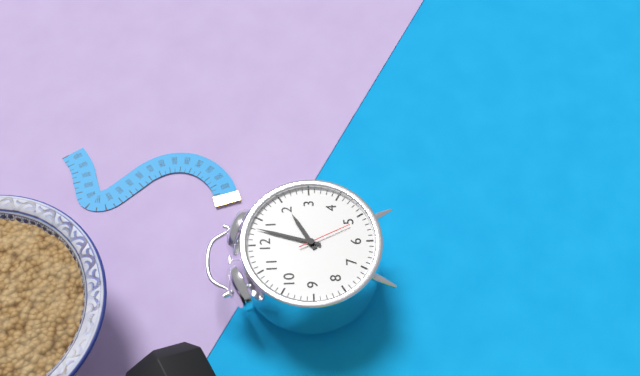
h=2 m=3 s=26
